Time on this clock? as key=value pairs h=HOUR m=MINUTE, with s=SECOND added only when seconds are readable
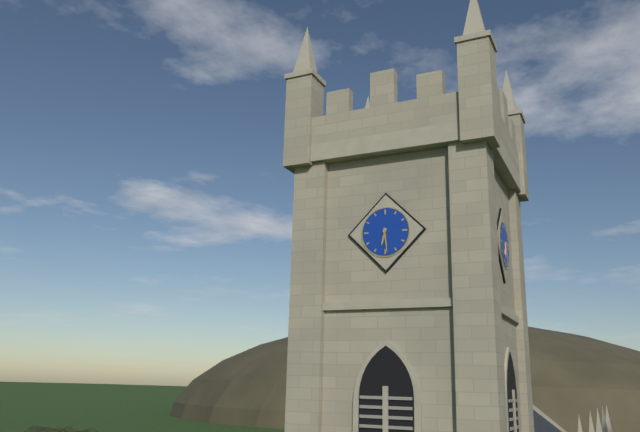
h=6 m=29
